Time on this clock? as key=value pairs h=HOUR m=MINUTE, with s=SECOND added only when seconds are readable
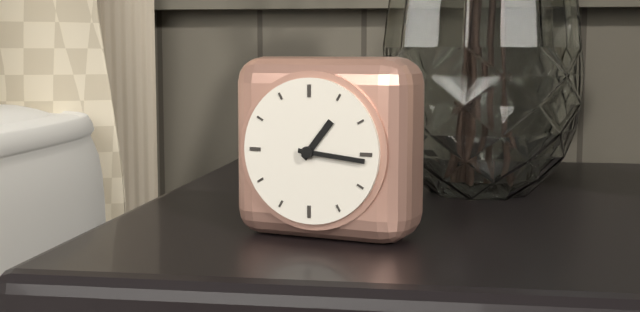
h=1 m=16
